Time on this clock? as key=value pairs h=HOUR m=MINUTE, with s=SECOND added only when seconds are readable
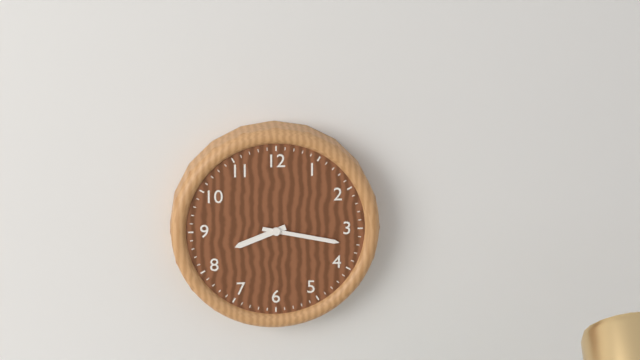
h=8 m=17
